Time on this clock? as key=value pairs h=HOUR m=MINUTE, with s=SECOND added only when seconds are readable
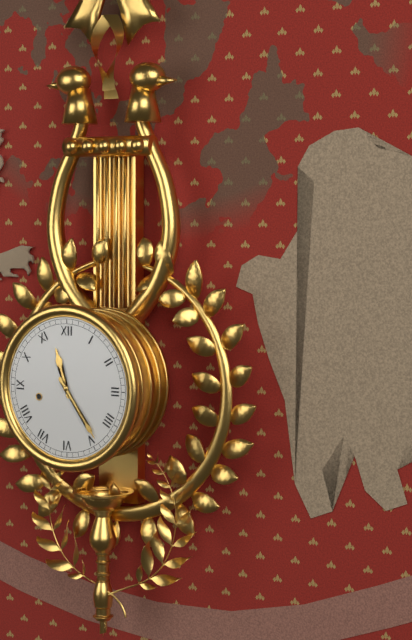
h=11 m=24
